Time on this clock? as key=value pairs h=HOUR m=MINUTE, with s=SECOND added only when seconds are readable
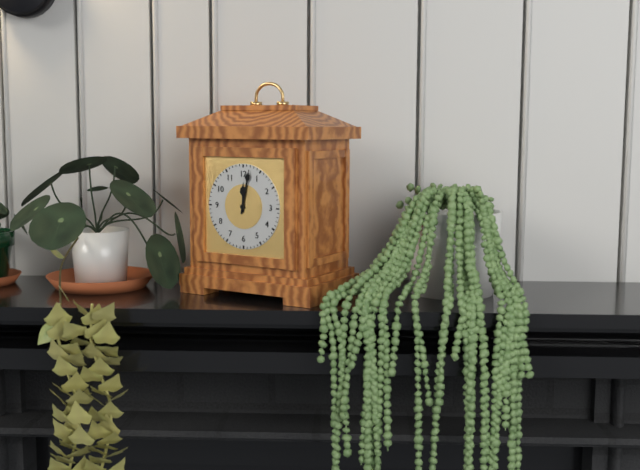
h=12 m=2
